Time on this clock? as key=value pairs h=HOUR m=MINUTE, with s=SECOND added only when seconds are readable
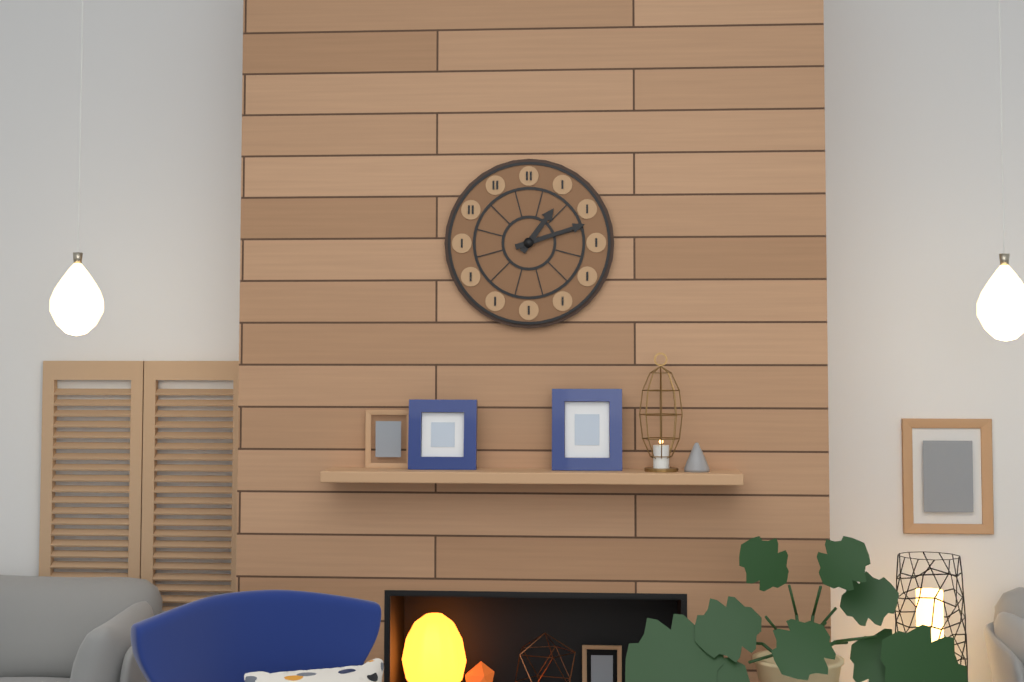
h=1 m=12
